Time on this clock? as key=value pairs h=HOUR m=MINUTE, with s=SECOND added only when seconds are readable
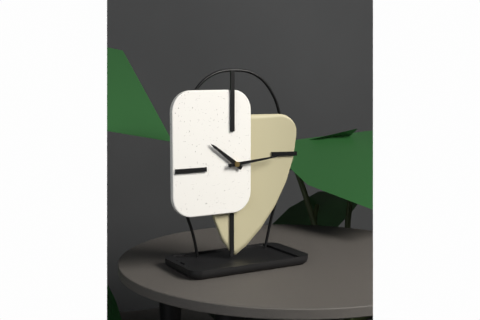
h=10 m=14
